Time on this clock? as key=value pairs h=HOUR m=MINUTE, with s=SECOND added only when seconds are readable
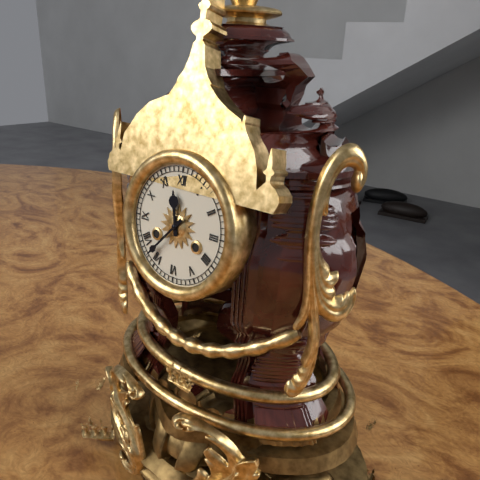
h=11 m=37
